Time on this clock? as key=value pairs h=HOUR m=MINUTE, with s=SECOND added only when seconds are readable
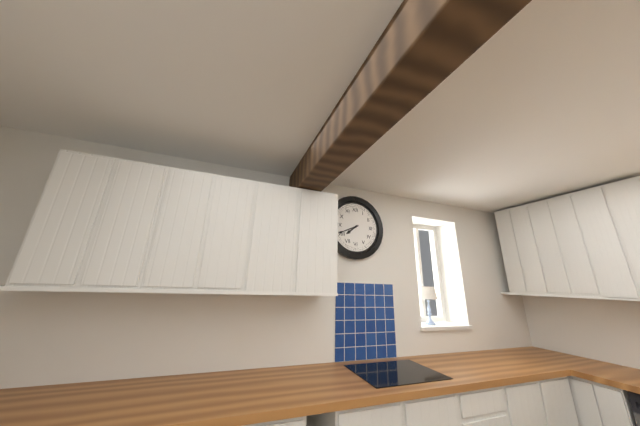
h=7 m=41
